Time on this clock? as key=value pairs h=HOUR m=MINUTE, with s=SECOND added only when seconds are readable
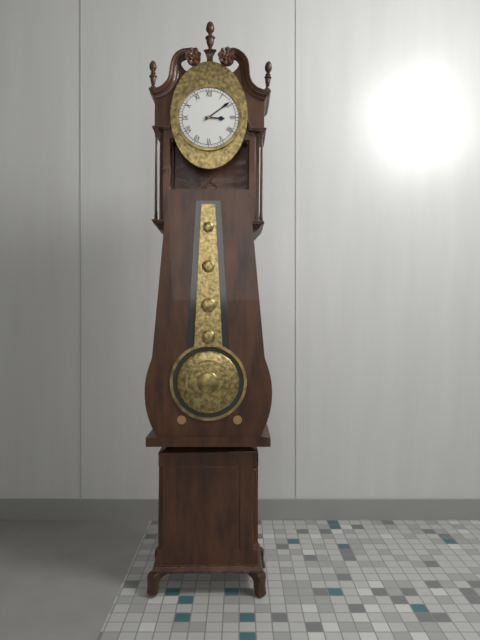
h=3 m=9
